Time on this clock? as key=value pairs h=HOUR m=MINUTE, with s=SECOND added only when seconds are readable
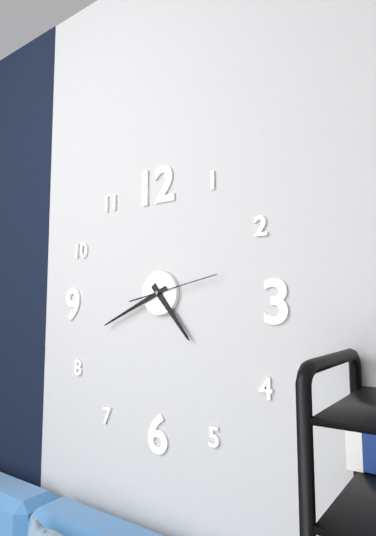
h=4 m=41 s=13
